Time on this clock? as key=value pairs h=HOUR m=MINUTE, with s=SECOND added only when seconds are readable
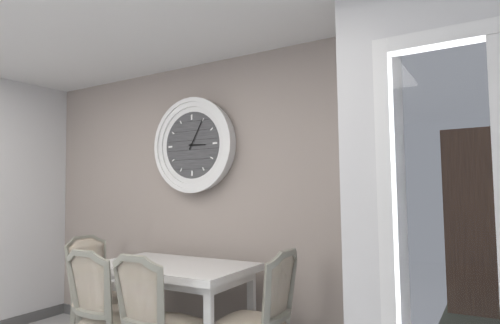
h=3 m=5
